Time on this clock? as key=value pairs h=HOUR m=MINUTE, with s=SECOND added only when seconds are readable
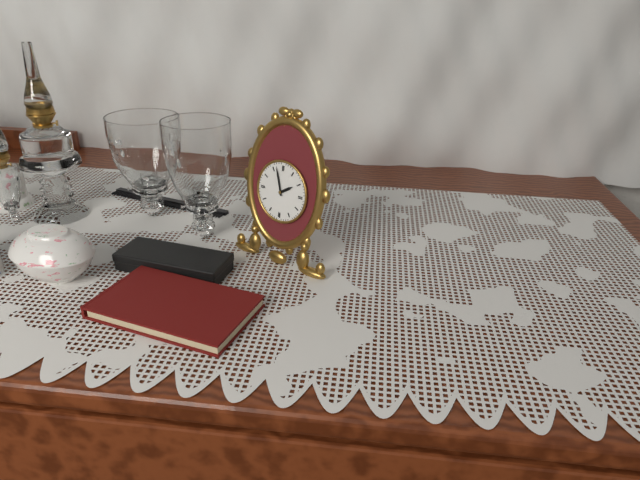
h=1 m=57
